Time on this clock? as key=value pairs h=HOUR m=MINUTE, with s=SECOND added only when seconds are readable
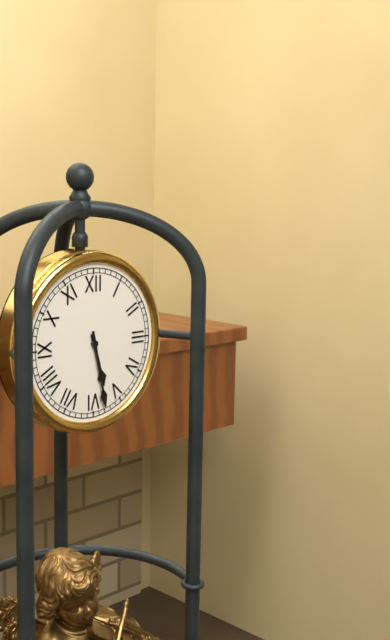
h=5 m=28
